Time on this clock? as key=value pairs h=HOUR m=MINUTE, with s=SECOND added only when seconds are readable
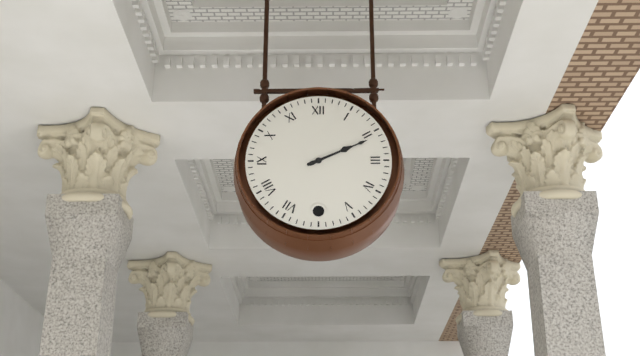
h=2 m=11
